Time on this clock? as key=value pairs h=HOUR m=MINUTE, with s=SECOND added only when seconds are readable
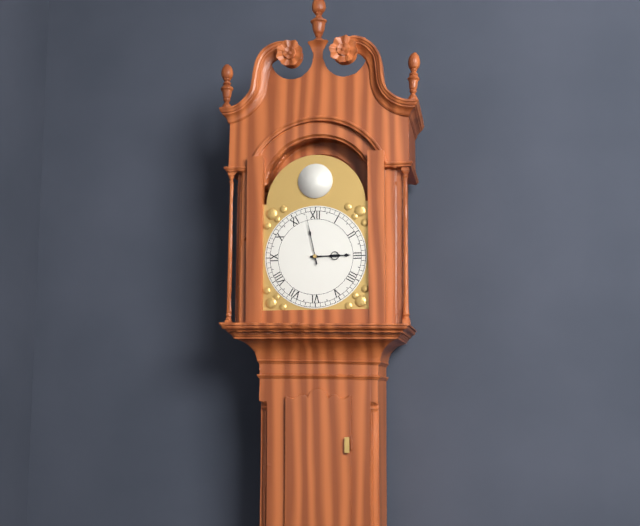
h=2 m=58
